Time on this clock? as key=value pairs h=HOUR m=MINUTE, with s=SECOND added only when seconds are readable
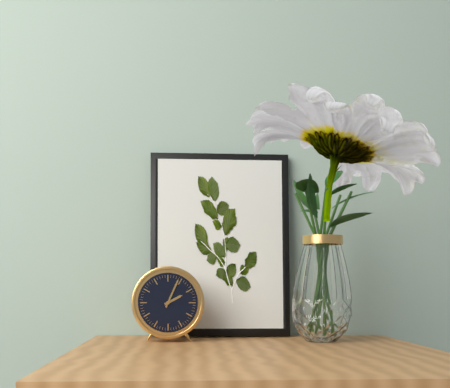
h=2 m=4
